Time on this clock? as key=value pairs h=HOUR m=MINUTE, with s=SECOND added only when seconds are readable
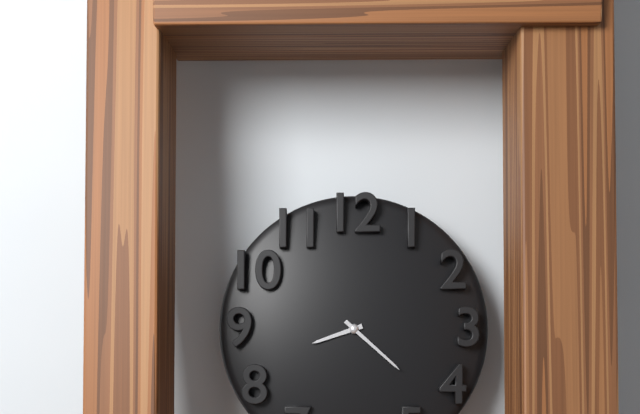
h=8 m=22
